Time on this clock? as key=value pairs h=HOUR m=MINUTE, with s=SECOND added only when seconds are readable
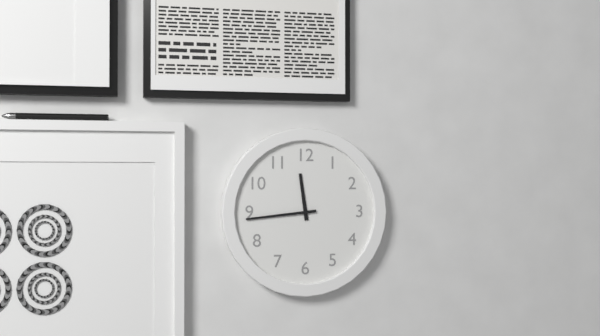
h=11 m=44
